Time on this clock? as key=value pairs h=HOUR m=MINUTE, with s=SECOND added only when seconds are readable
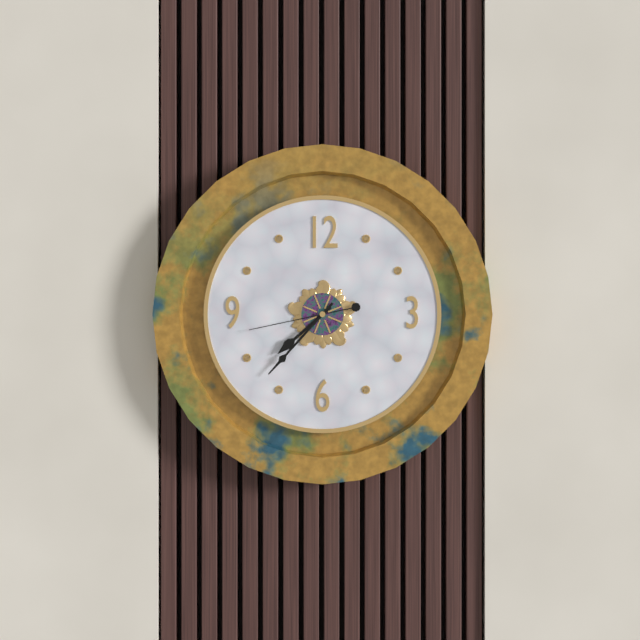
h=7 m=37 s=43
